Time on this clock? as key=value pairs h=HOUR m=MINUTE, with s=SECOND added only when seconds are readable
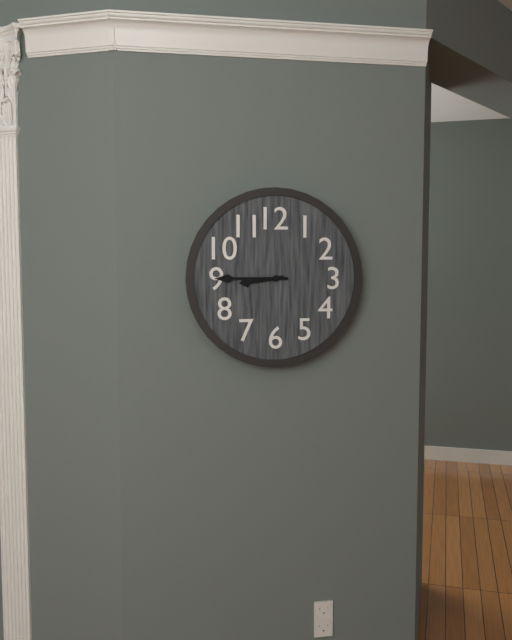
h=8 m=45
